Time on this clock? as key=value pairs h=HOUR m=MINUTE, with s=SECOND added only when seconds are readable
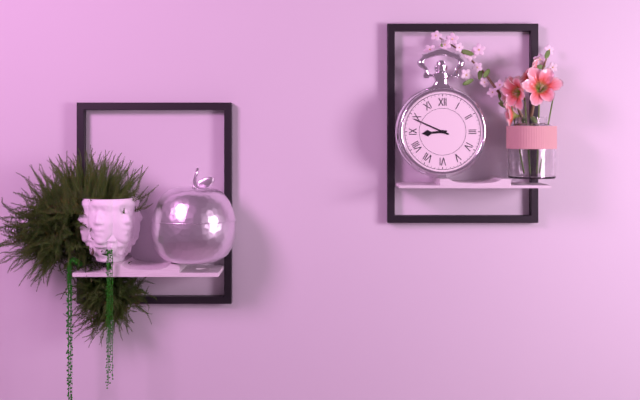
h=8 m=49
